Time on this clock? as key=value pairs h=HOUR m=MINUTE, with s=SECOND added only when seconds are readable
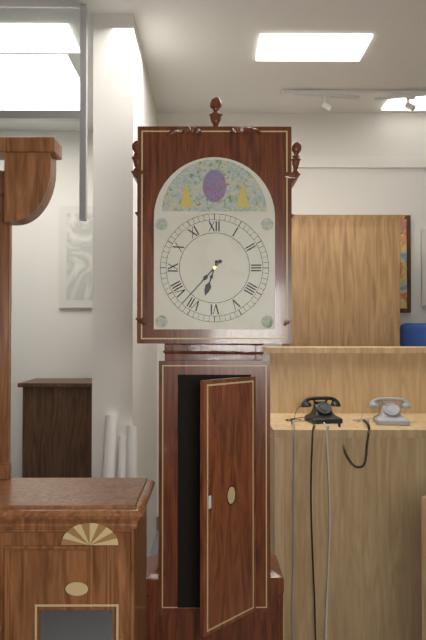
h=6 m=37
